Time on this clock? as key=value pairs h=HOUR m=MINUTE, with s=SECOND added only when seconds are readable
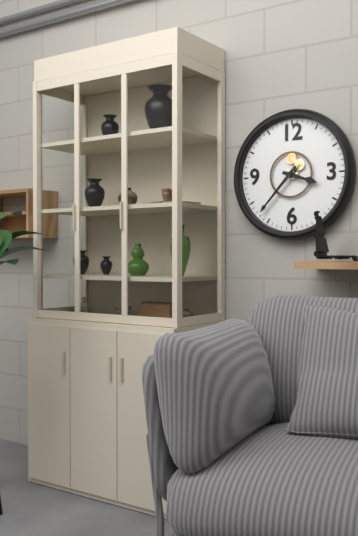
h=3 m=37
